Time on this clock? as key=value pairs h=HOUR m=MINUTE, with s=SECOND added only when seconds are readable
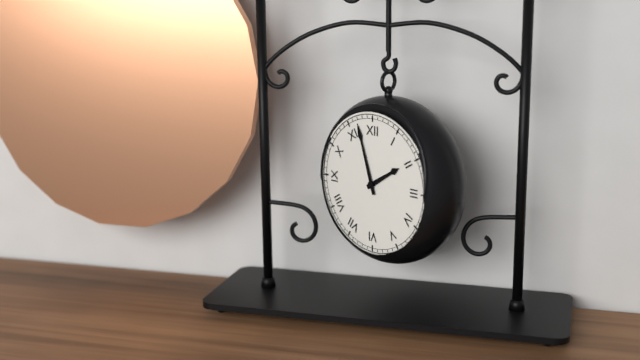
h=1 m=57
